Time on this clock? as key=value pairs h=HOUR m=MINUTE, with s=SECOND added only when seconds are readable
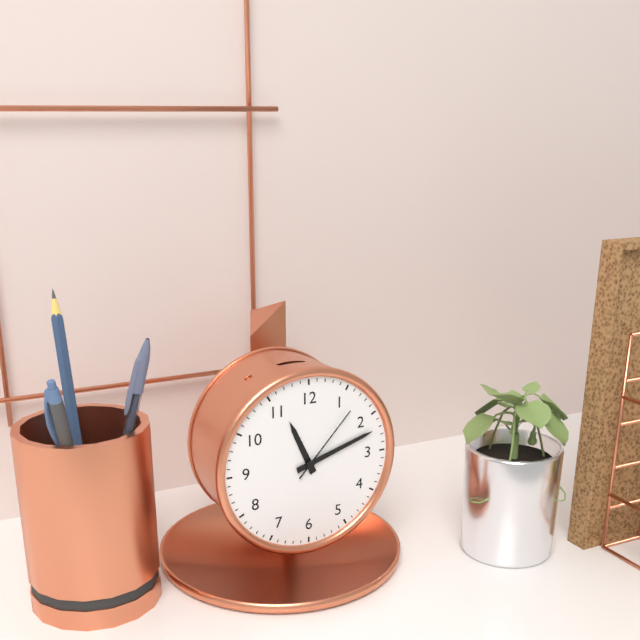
h=11 m=12 s=7
